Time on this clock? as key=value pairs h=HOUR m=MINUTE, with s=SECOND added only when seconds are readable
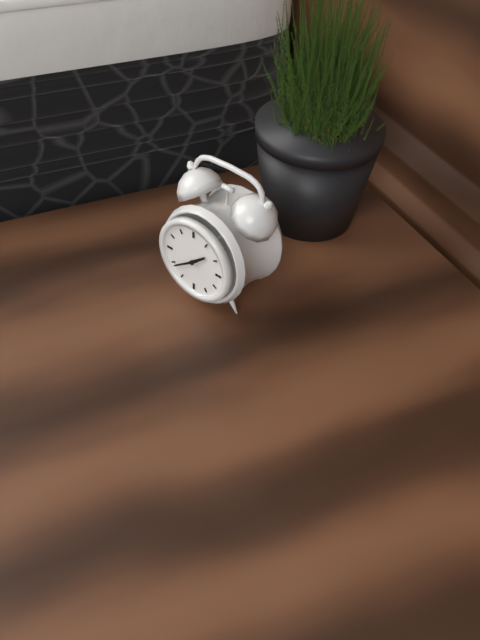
h=1 m=39
